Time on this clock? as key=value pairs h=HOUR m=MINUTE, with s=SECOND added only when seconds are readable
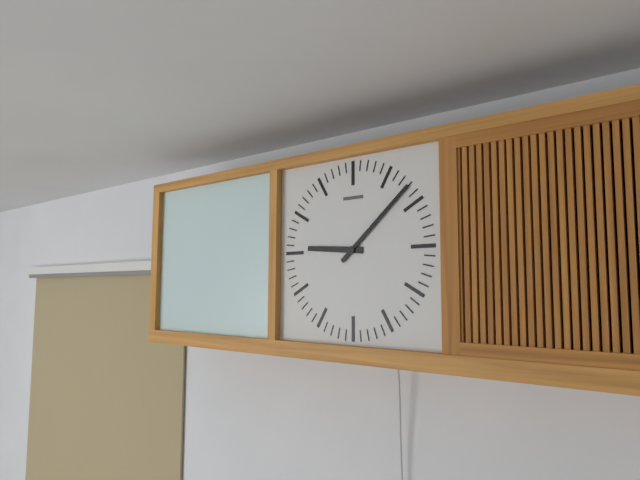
h=9 m=8
